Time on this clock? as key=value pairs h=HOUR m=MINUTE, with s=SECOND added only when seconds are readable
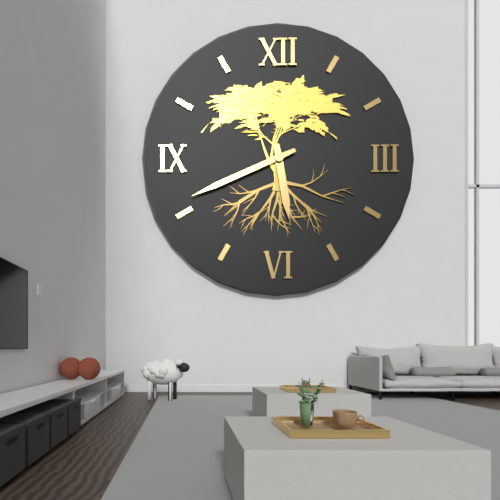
h=5 m=41
